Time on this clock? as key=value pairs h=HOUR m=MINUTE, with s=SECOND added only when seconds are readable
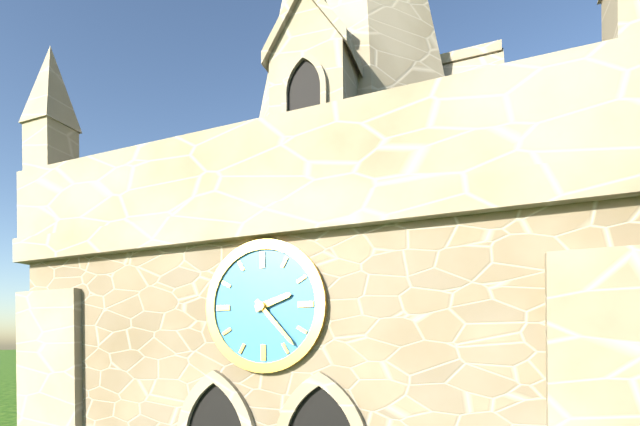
h=2 m=23
